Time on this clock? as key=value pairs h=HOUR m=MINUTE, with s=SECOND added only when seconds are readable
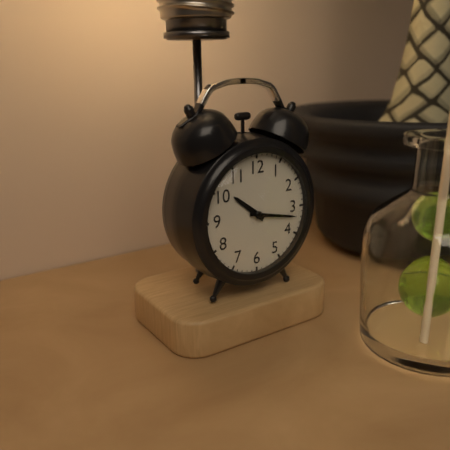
h=10 m=17
